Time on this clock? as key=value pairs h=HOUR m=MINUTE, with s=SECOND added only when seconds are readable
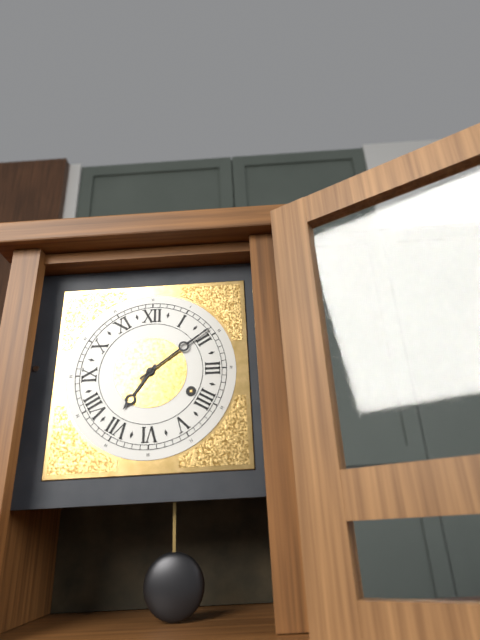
h=7 m=9
